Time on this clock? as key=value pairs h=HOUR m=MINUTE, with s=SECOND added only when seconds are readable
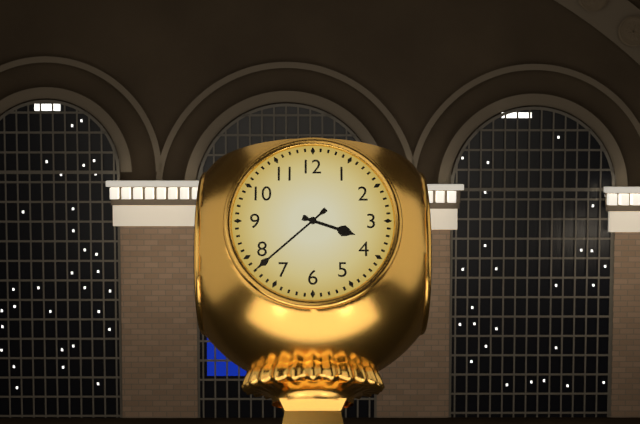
h=3 m=38
